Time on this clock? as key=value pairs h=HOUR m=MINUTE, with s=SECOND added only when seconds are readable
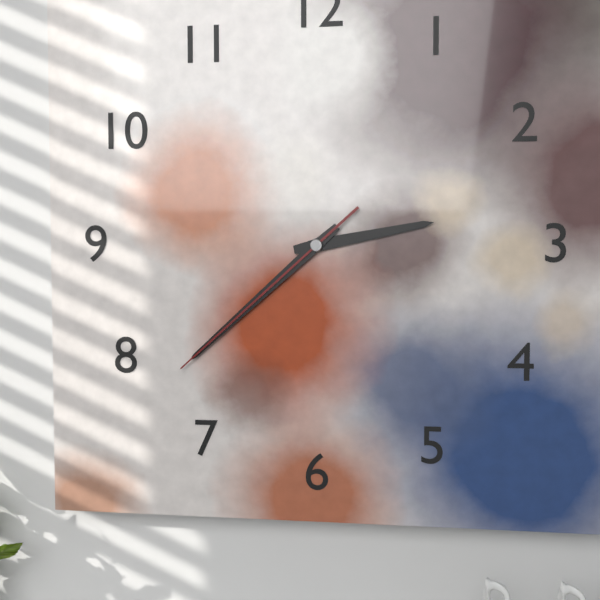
h=2 m=38 s=38
